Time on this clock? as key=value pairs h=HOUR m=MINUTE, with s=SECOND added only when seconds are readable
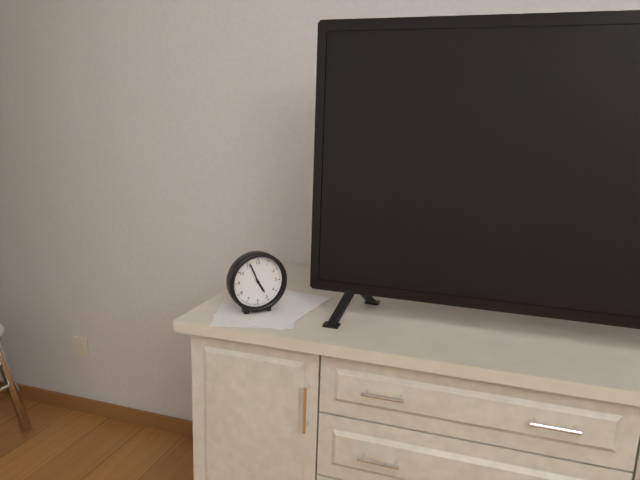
h=4 m=56
